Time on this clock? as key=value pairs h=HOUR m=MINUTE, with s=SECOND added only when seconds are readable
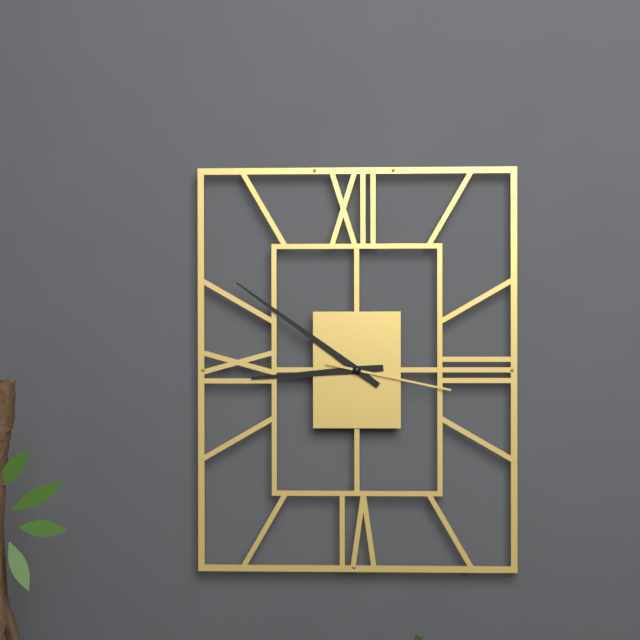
h=8 m=51 s=17
